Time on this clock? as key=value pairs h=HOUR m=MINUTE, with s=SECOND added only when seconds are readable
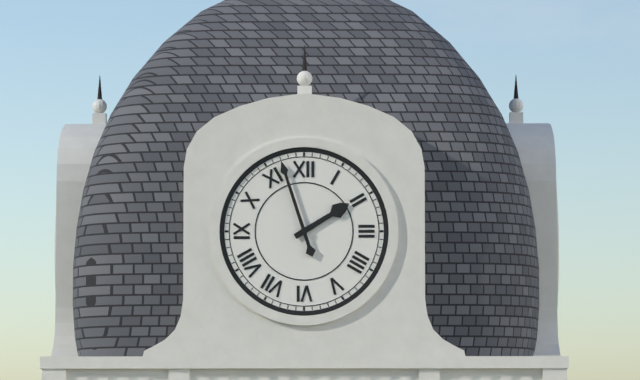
h=1 m=57
